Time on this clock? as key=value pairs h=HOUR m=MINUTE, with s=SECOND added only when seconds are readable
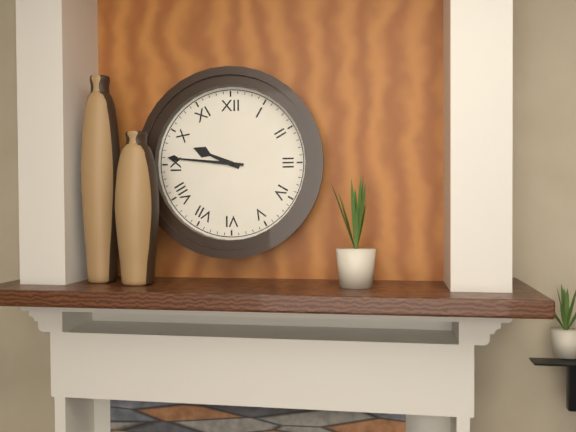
h=9 m=46
